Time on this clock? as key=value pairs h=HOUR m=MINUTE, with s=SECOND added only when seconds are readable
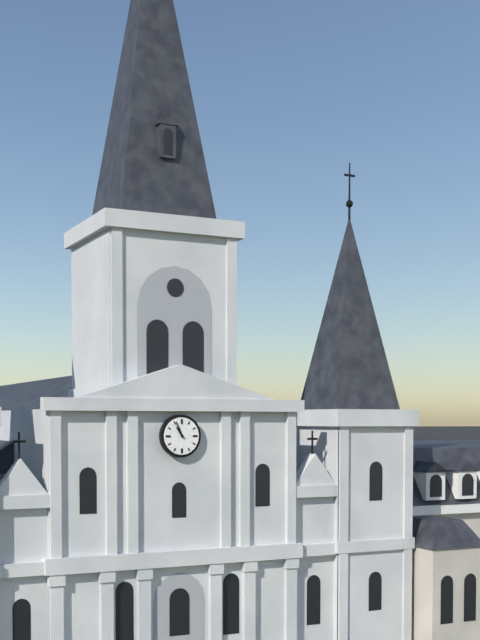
h=10 m=56
